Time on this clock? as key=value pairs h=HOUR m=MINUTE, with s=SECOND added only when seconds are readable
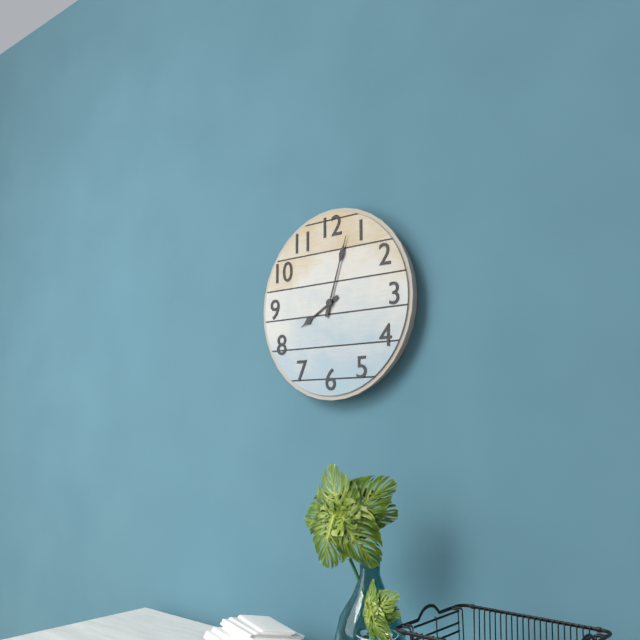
h=8 m=3
